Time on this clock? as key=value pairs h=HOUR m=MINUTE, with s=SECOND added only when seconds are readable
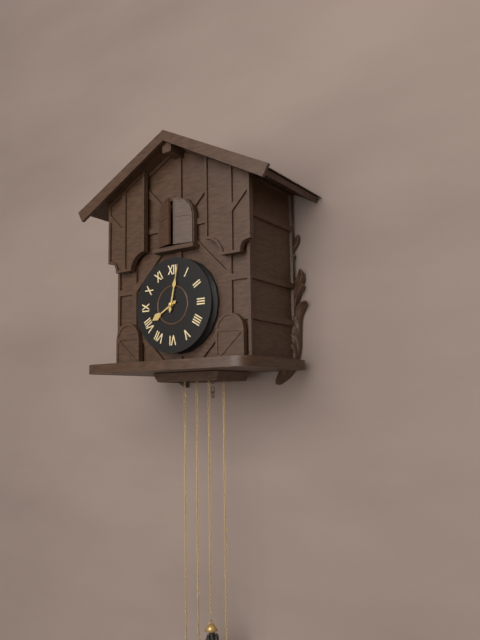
h=8 m=2
